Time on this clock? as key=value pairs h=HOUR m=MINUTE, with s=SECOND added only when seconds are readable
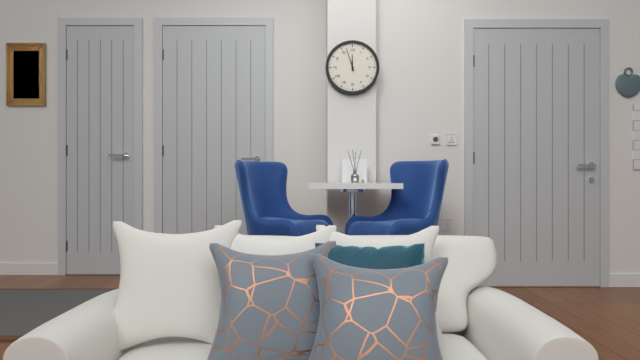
h=11 m=57
